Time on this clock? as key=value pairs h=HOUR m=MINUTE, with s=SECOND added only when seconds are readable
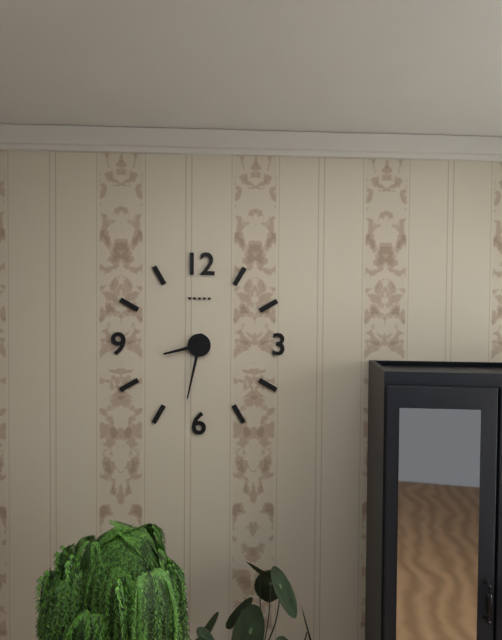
h=8 m=32
